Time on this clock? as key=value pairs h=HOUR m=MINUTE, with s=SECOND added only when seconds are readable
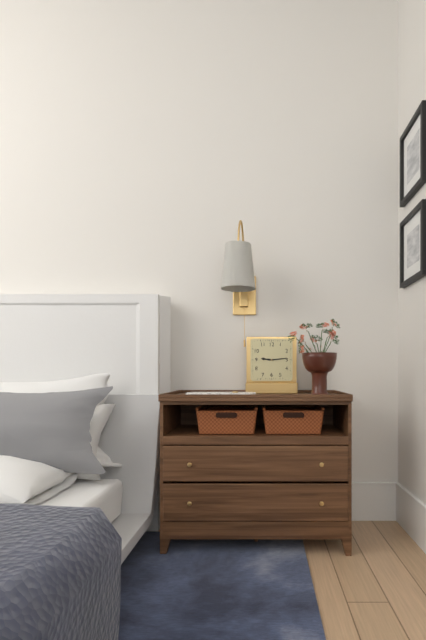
h=9 m=14
